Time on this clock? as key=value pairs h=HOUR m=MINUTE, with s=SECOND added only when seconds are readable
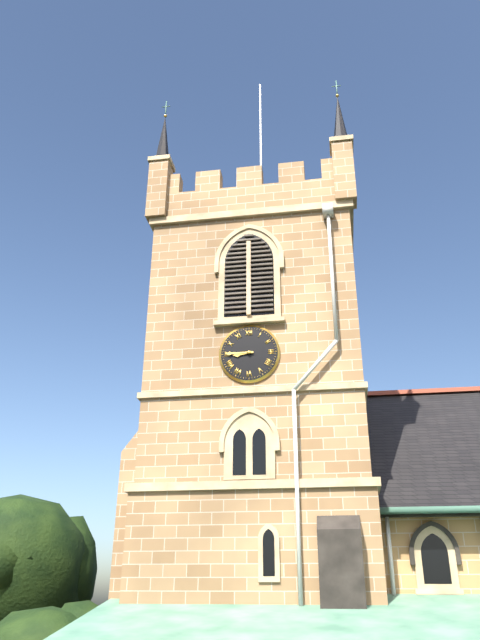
h=8 m=45
